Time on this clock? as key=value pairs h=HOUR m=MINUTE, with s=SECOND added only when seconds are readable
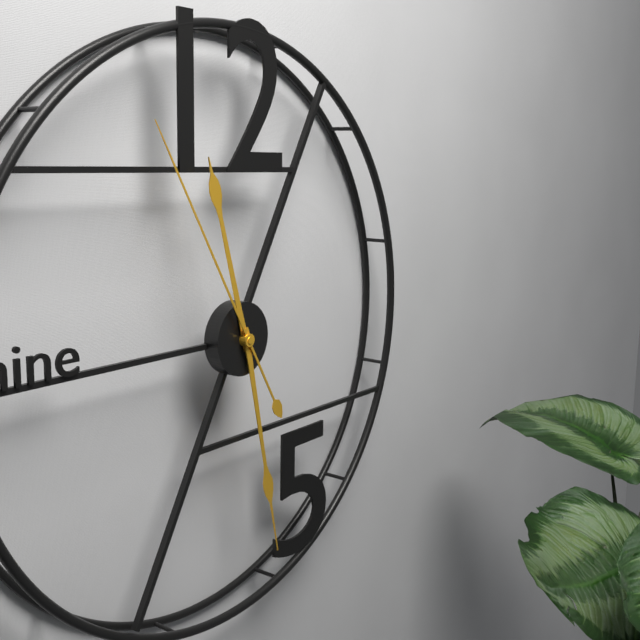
h=11 m=28 s=55
